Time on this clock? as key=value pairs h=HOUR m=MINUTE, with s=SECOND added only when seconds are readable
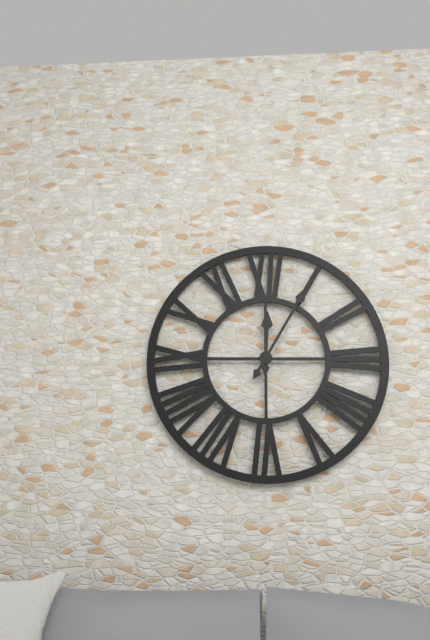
h=12 m=5
